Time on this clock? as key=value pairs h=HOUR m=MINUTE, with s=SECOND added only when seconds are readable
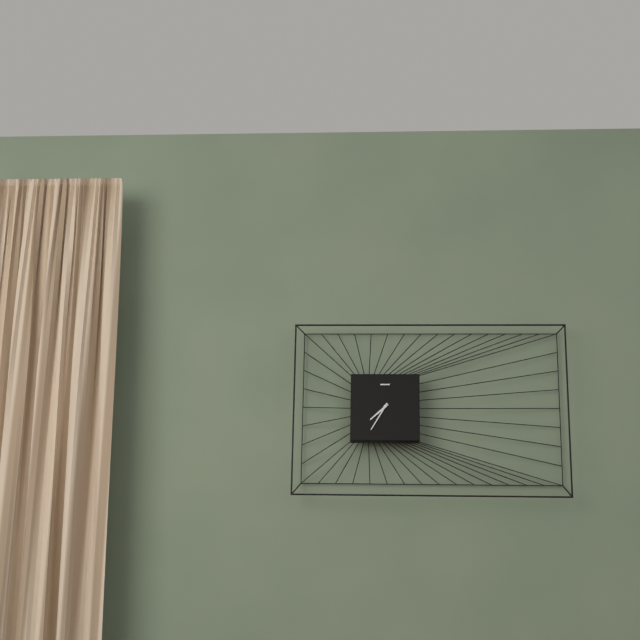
h=7 m=35
